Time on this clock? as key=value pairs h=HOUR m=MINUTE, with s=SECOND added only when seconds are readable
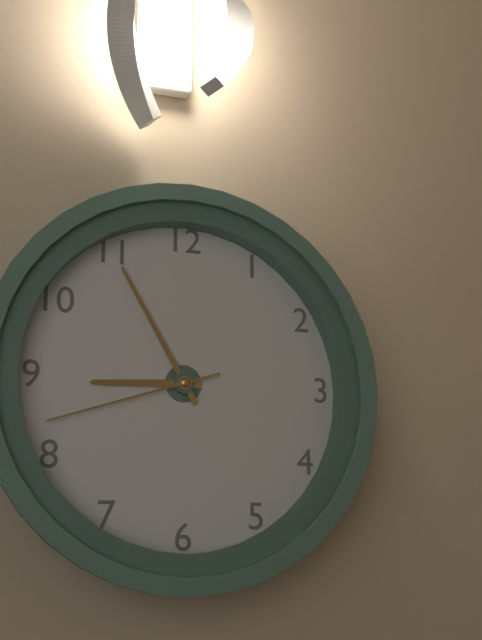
h=8 m=55 s=42
